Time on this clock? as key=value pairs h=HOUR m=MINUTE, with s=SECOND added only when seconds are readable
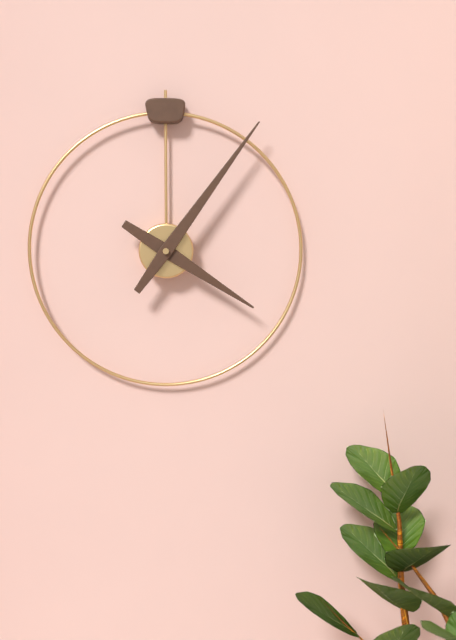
h=4 m=6
